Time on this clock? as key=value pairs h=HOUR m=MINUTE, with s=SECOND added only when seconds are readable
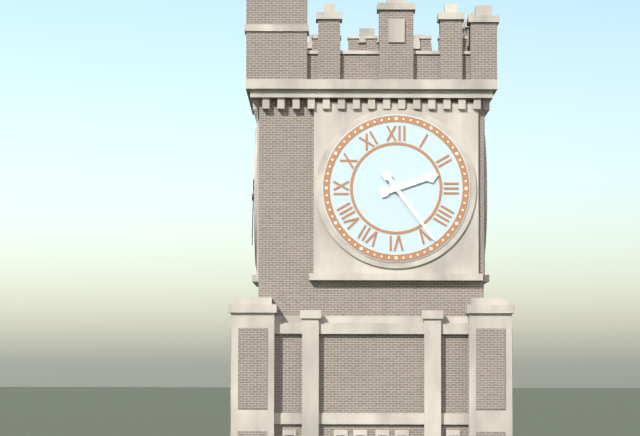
h=2 m=24
